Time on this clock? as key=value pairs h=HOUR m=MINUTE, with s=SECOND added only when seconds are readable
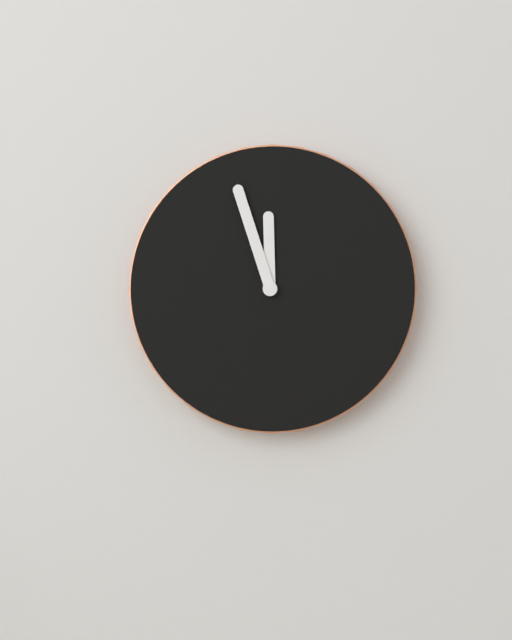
h=11 m=57
